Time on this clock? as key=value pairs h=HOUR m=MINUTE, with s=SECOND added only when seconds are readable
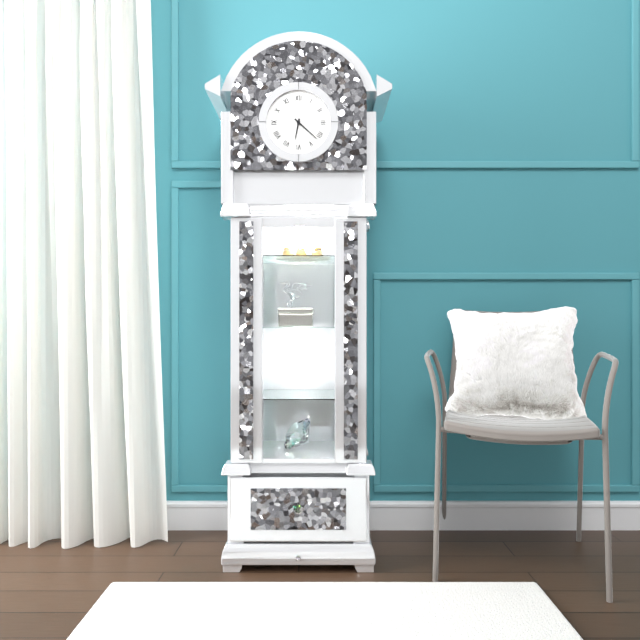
h=6 m=22
